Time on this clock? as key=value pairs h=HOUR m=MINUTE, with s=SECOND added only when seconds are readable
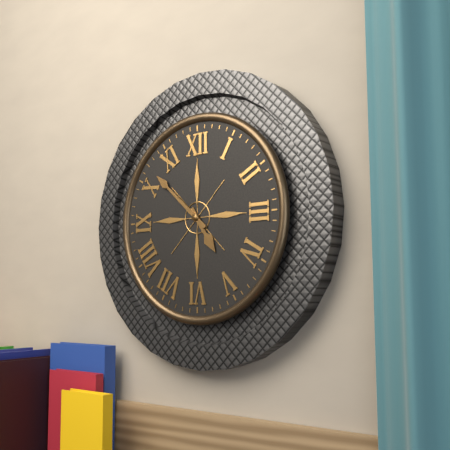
h=4 m=52
